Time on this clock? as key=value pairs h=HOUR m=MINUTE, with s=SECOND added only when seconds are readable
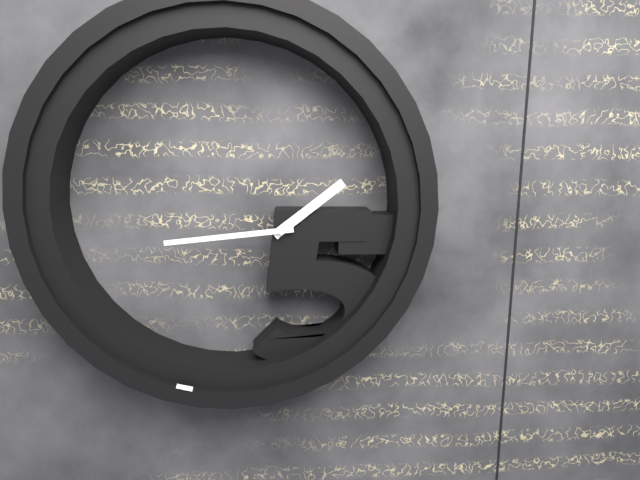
h=1 m=44
